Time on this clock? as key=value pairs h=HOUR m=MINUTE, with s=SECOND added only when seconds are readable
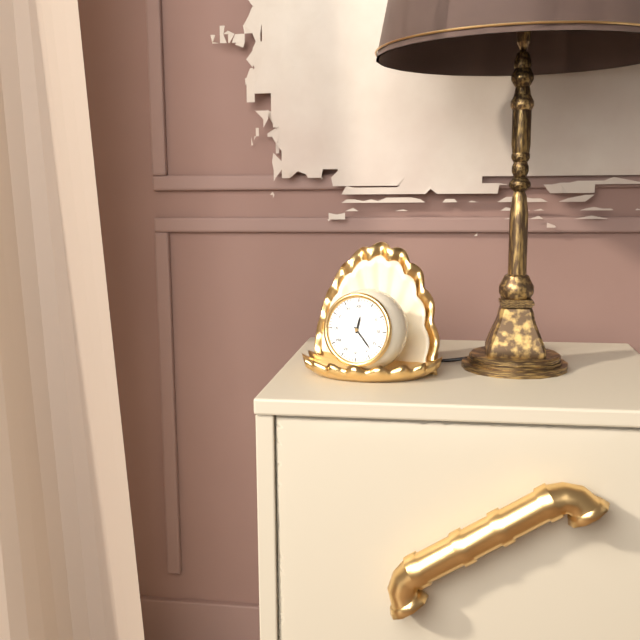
h=12 m=23
